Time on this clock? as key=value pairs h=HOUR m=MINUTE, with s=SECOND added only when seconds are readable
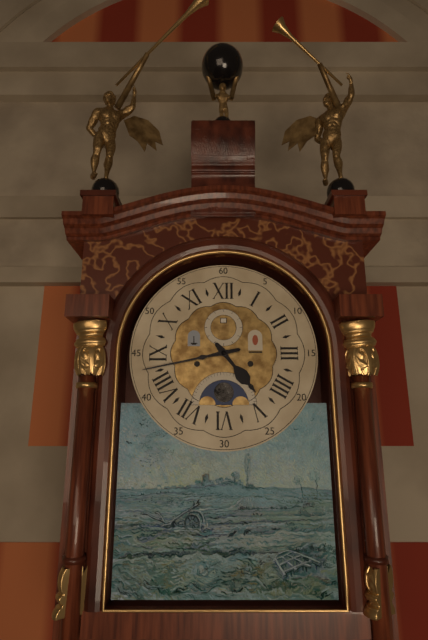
h=4 m=43
